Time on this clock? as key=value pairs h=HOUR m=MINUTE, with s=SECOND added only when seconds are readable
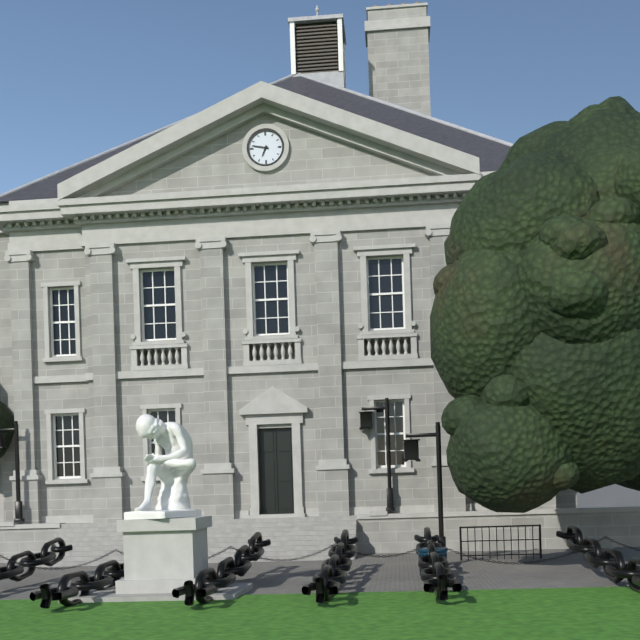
h=6 m=47
